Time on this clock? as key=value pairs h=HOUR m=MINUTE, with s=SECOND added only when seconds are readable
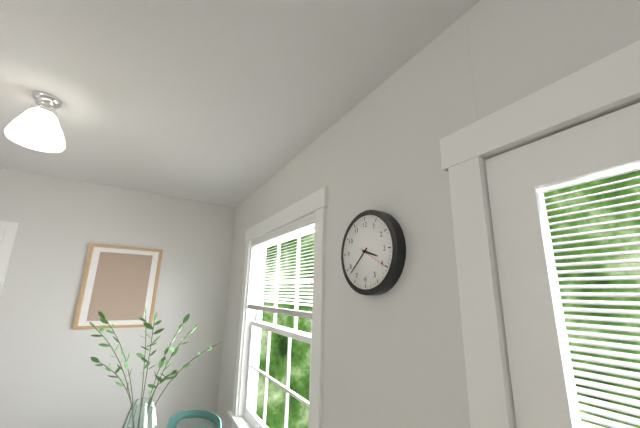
h=3 m=38
